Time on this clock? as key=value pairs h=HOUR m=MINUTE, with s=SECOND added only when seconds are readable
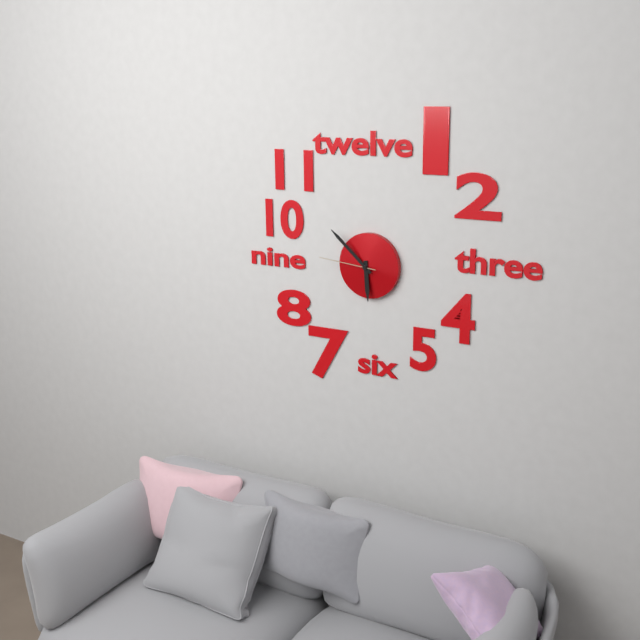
h=5 m=52 s=46
